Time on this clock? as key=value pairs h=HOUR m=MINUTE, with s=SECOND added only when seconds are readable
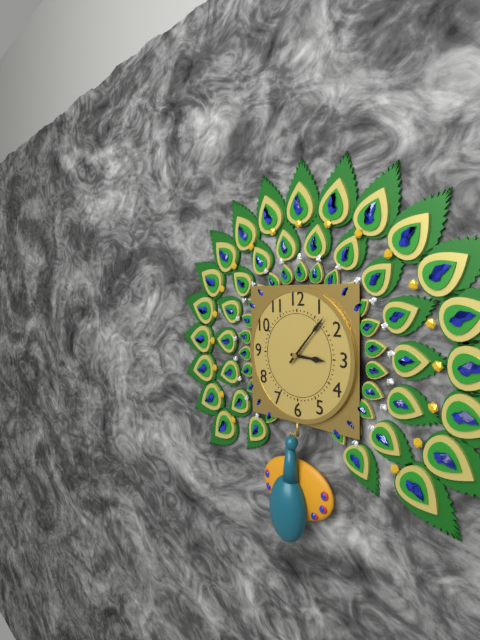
h=3 m=7
